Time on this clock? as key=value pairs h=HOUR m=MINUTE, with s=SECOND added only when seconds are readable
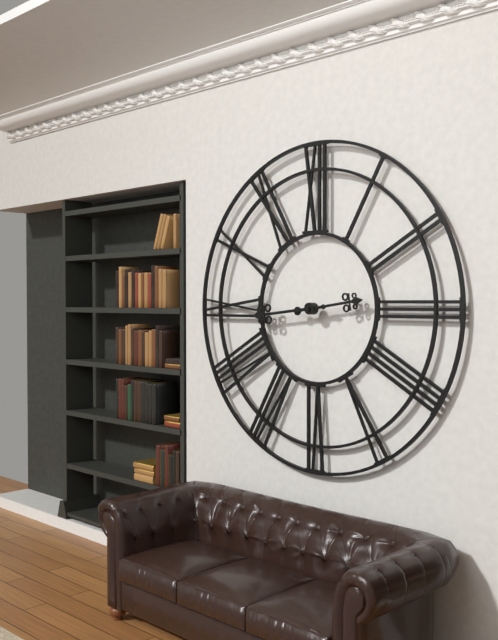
h=2 m=44
